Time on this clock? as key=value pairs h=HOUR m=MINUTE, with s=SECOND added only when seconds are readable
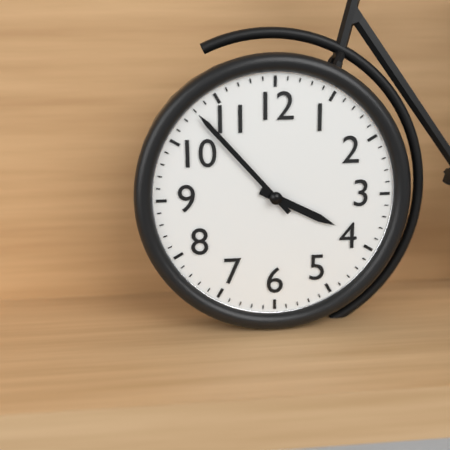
h=3 m=53
